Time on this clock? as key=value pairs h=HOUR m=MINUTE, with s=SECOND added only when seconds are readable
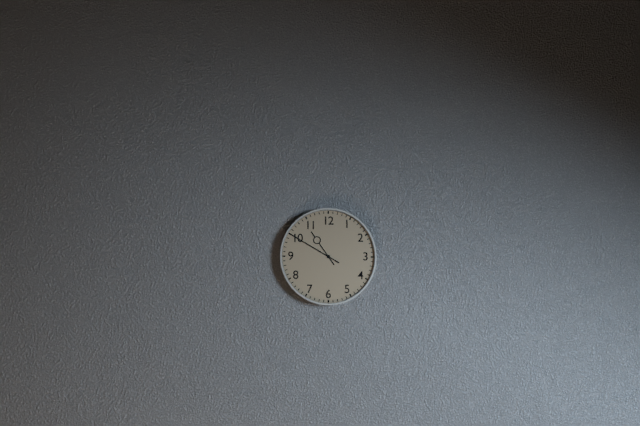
h=10 m=50
